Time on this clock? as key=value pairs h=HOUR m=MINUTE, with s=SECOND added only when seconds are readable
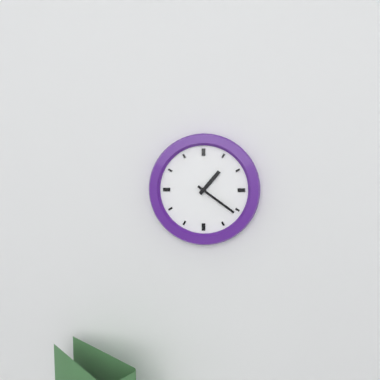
h=1 m=21
